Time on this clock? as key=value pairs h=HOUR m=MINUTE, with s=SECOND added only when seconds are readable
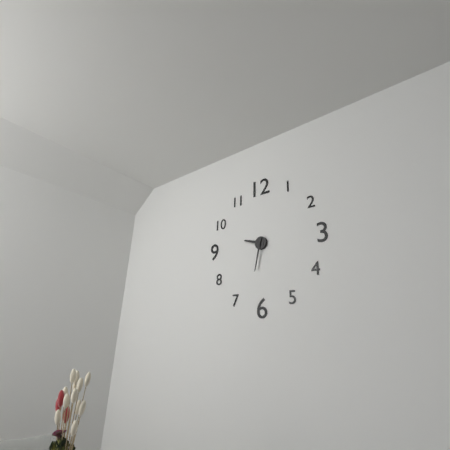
h=9 m=32
